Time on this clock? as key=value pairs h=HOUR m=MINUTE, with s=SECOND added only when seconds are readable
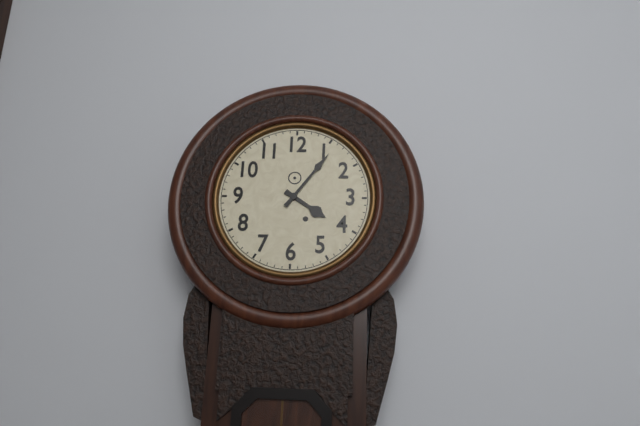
h=4 m=6
